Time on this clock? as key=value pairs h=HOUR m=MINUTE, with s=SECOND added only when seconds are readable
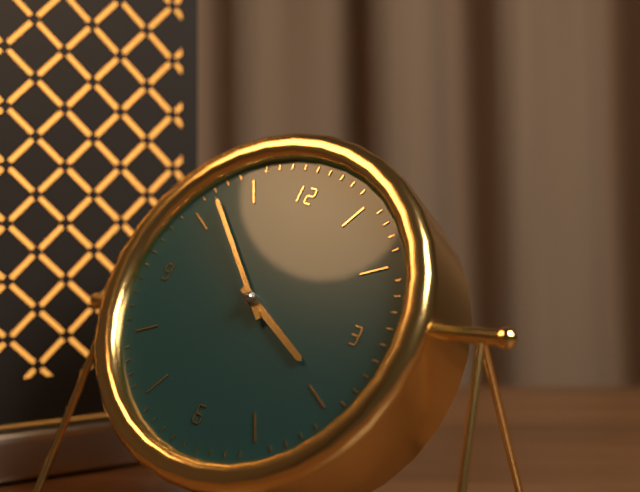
h=3 m=52
